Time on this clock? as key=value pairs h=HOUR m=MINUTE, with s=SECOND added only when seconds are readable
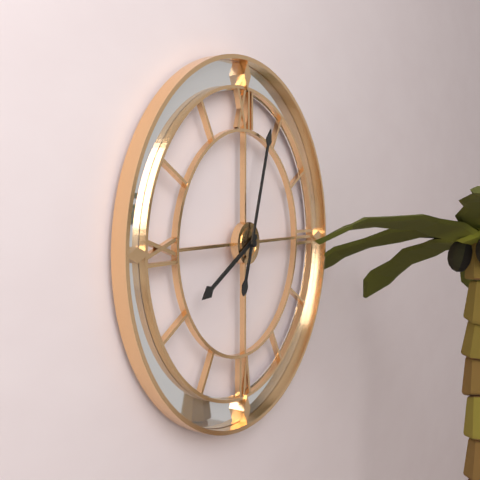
h=8 m=3
